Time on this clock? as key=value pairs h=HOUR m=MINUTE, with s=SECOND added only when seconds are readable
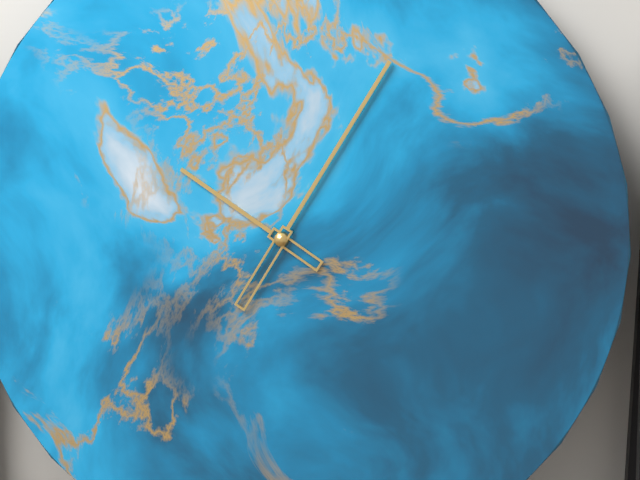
h=10 m=5
